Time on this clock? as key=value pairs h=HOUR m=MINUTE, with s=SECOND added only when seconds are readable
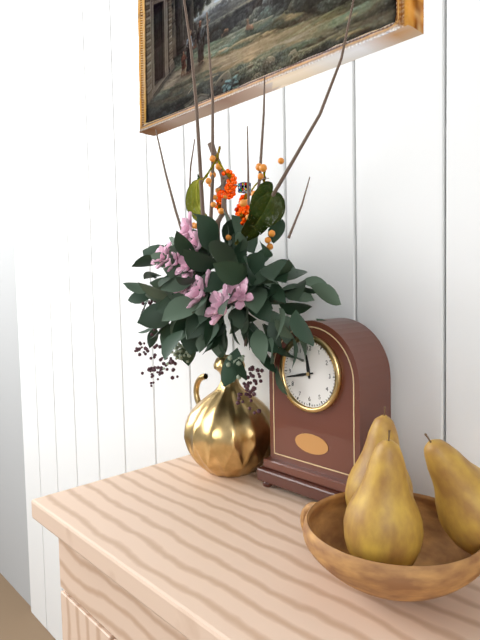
h=11 m=43
